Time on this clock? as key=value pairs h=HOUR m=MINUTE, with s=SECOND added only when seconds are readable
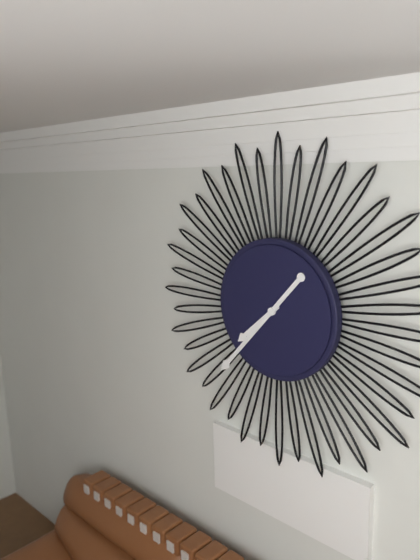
h=7 m=37
